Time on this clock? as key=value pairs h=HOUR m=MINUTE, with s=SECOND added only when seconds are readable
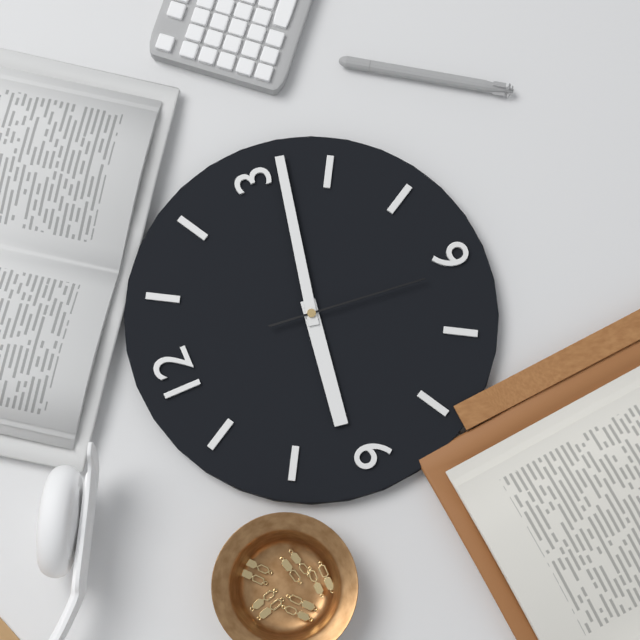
h=9 m=17 s=31
